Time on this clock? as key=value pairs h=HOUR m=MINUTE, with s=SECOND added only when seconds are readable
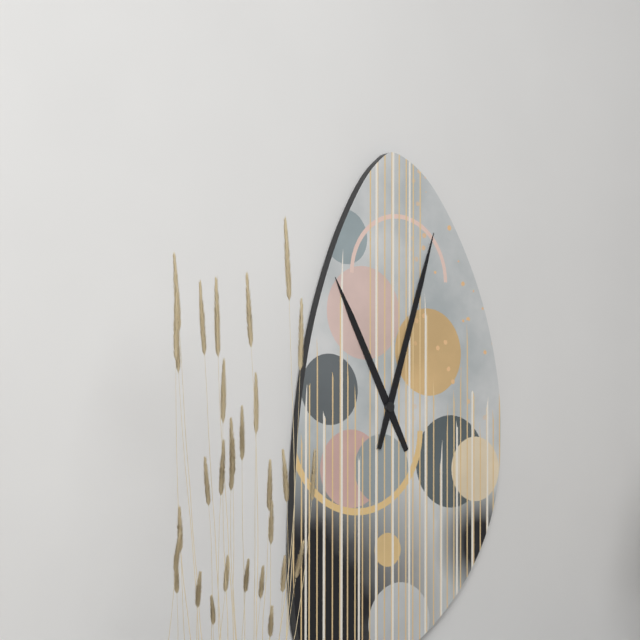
h=11 m=3
